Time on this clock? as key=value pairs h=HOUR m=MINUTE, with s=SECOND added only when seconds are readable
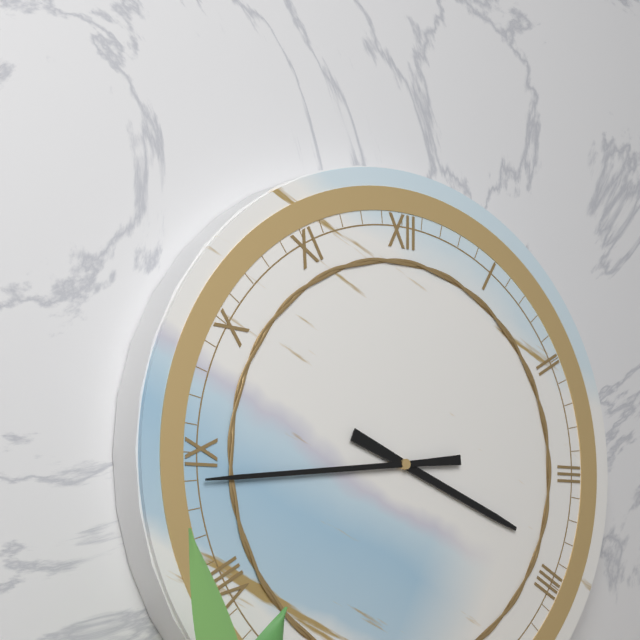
h=3 m=44
